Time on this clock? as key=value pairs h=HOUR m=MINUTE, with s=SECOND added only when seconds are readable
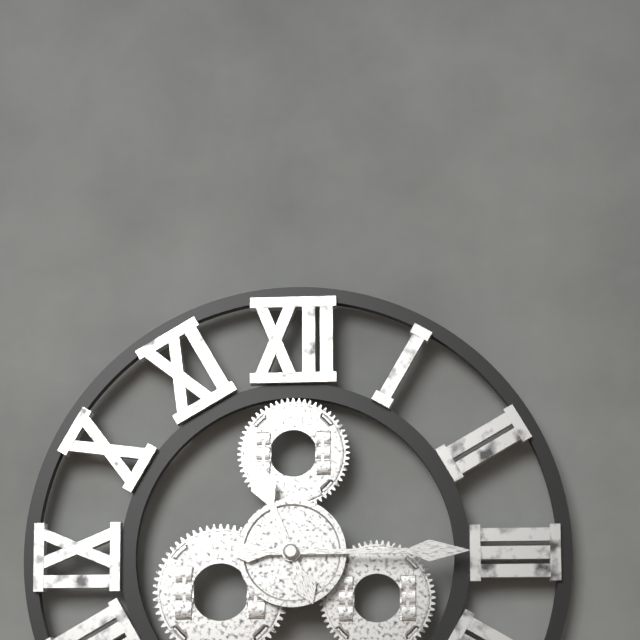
h=11 m=15
